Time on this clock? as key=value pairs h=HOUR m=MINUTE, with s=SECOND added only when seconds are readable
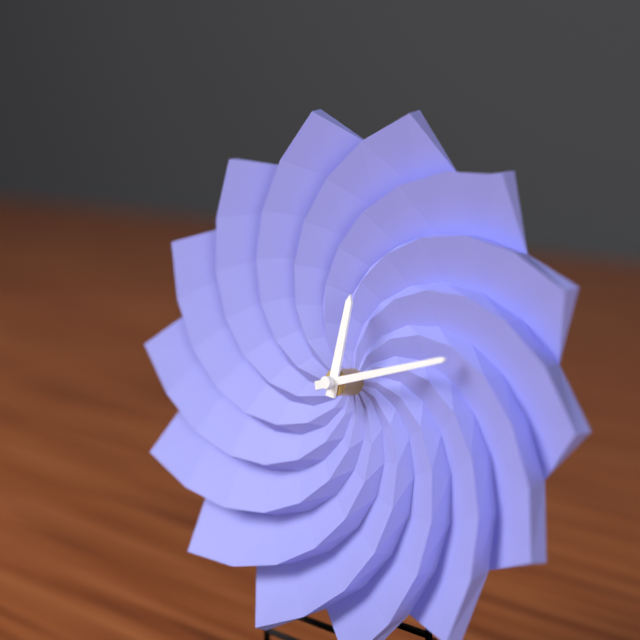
h=12 m=12
